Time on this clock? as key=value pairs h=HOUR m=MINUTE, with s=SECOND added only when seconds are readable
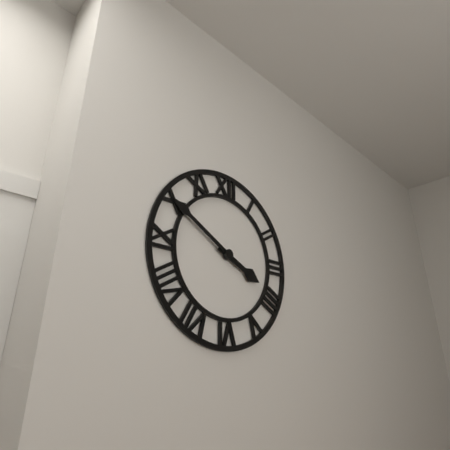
h=3 m=50
